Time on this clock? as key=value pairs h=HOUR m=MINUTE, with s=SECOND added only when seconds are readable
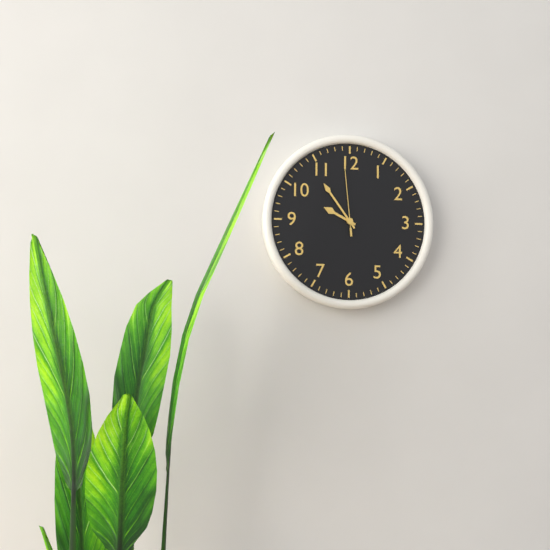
h=9 m=54 s=59
